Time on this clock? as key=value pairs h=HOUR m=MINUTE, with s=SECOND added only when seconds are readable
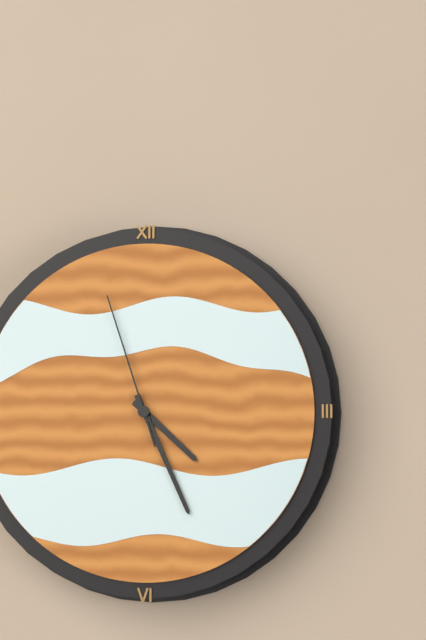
h=4 m=26 s=57
